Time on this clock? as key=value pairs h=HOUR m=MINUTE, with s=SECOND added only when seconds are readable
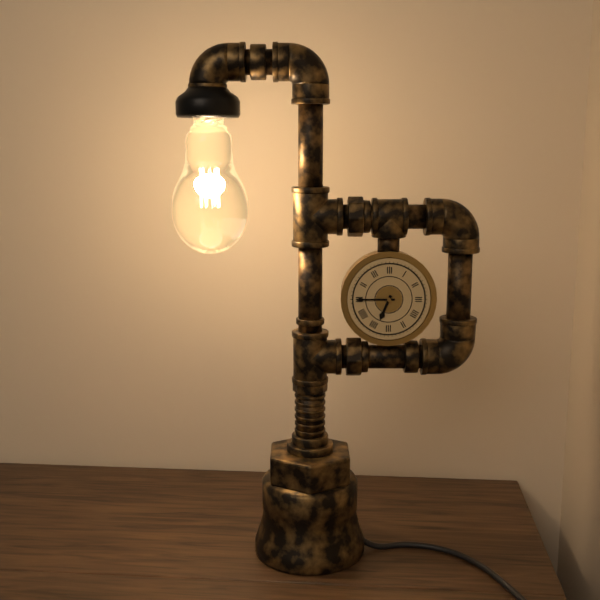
h=6 m=45
